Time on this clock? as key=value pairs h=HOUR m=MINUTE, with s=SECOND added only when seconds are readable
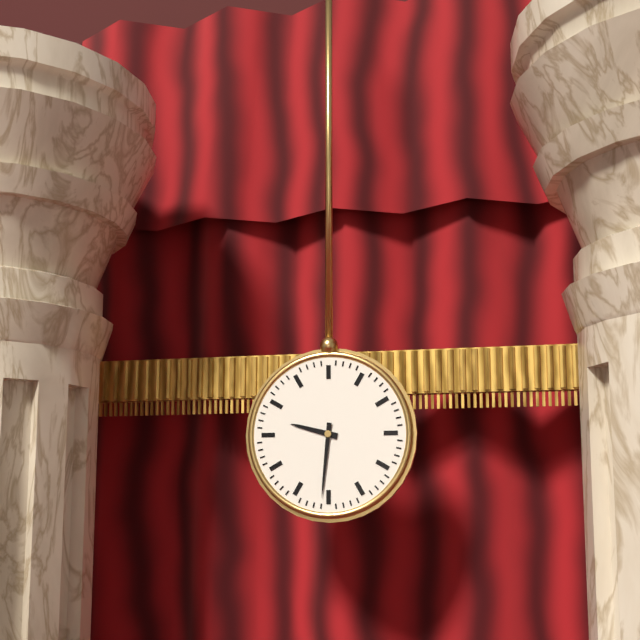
h=9 m=31
